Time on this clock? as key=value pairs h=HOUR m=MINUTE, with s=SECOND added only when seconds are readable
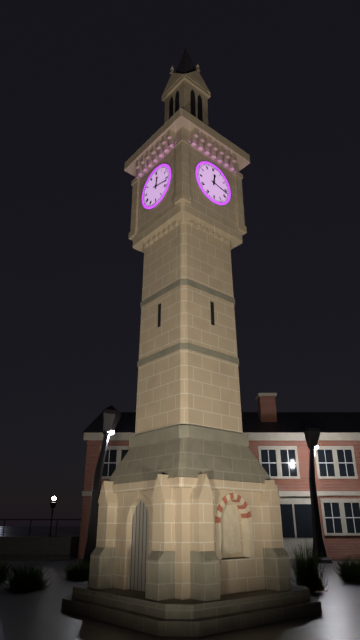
h=12 m=17
